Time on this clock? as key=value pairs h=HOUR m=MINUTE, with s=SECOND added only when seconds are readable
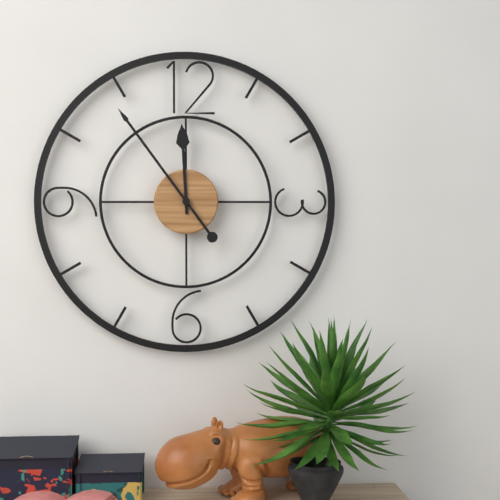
h=11 m=54
